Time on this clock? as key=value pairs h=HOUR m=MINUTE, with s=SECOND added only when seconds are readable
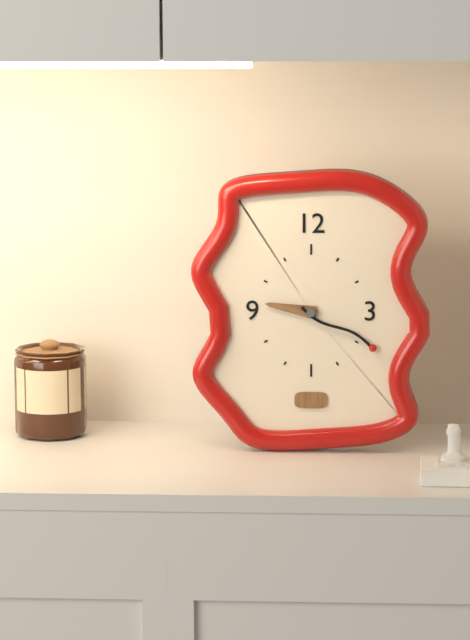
h=9 m=20
